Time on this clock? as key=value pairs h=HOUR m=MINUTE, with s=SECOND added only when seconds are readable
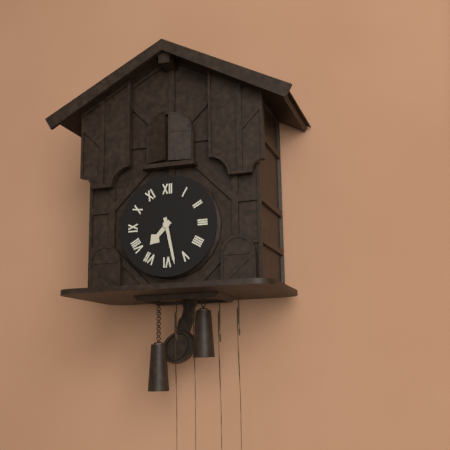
h=7 m=28
